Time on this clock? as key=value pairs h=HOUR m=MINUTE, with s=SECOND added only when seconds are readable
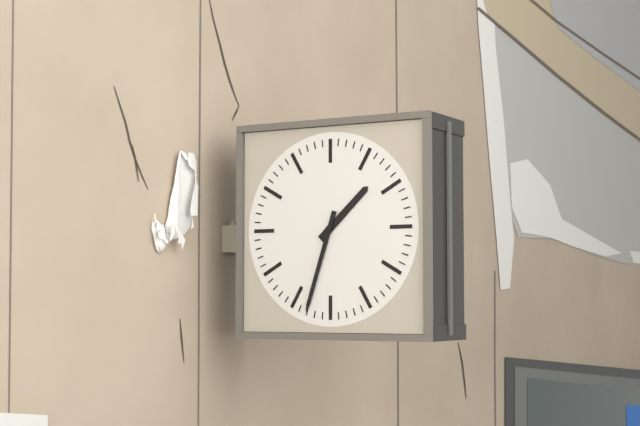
h=1 m=33
